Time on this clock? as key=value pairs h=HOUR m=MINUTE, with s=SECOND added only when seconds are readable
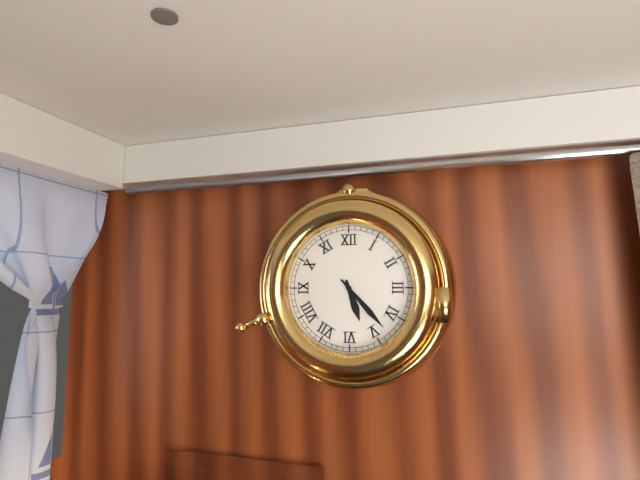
h=5 m=23
